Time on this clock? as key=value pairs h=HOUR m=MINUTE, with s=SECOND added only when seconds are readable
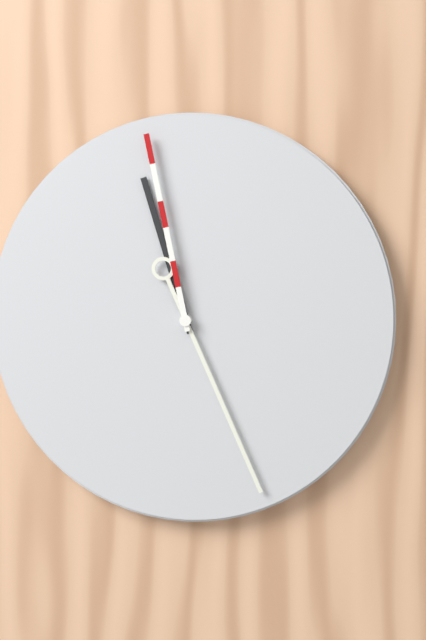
h=11 m=26 s=58
